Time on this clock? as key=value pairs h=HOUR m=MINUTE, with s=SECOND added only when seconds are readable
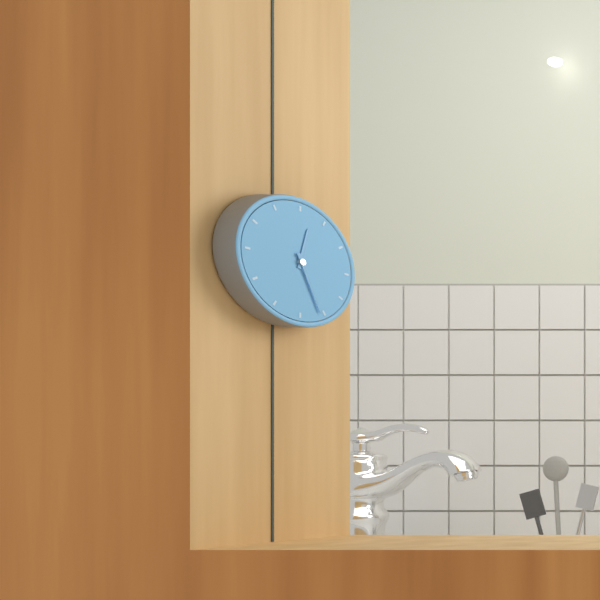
h=12 m=26
